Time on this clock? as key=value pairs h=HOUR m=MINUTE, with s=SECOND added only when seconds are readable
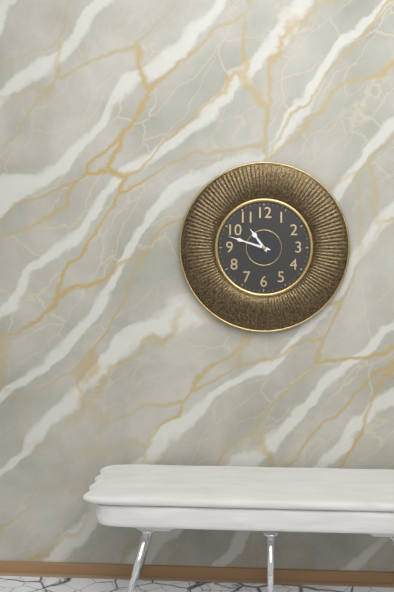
h=10 m=48
